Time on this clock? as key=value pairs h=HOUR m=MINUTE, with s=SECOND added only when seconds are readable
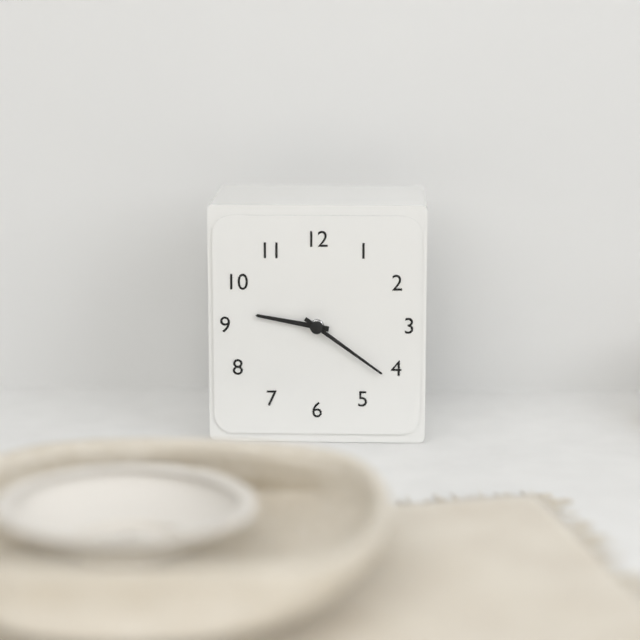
h=9 m=21
